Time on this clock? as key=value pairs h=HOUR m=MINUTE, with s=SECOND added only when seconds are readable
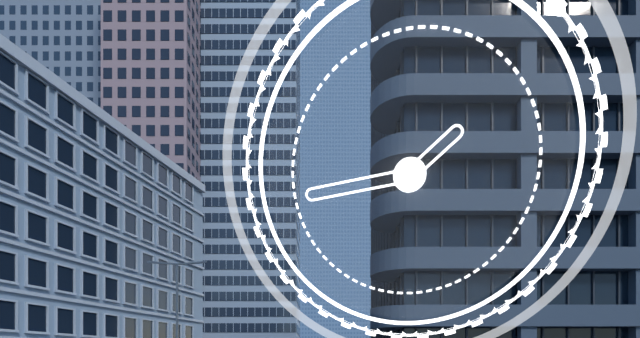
h=1 m=44
